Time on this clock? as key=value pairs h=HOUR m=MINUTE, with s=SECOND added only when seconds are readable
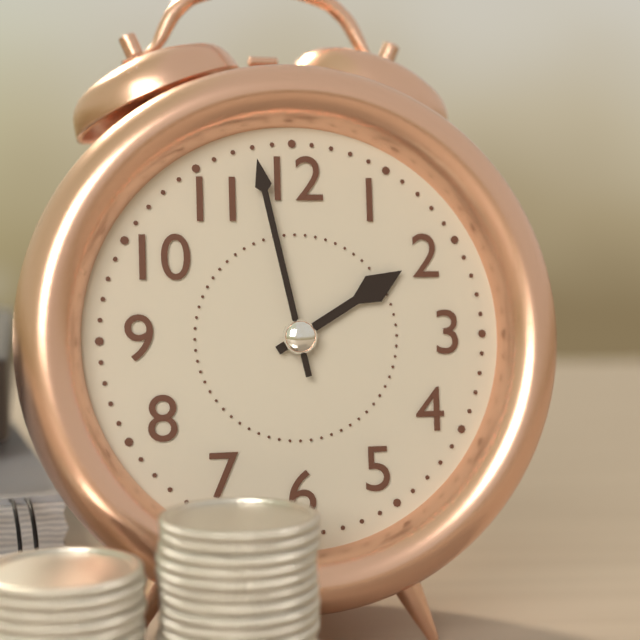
h=1 m=58
